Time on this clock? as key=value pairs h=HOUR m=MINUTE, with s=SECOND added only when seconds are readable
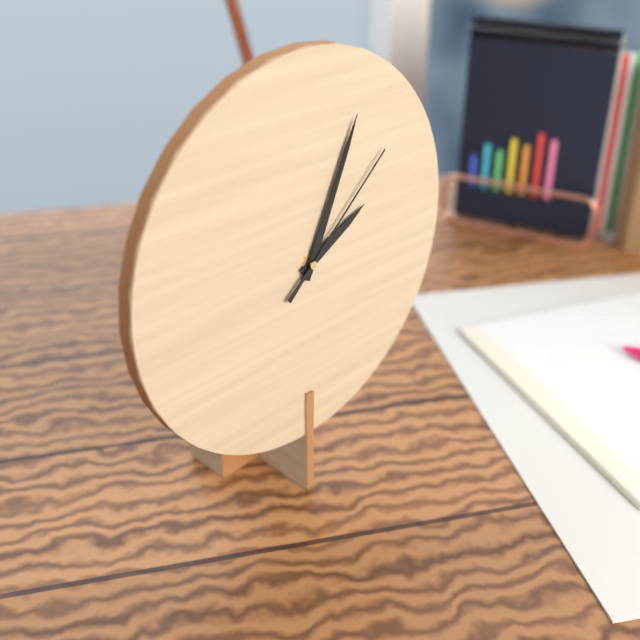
h=2 m=4 s=8
